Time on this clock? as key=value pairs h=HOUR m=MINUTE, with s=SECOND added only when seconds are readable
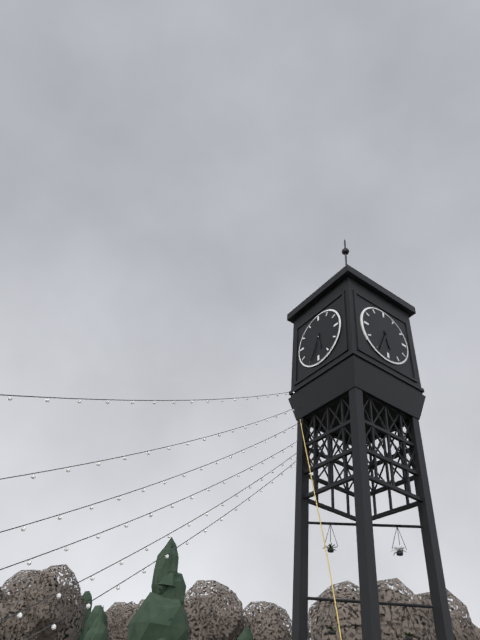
h=5 m=34
